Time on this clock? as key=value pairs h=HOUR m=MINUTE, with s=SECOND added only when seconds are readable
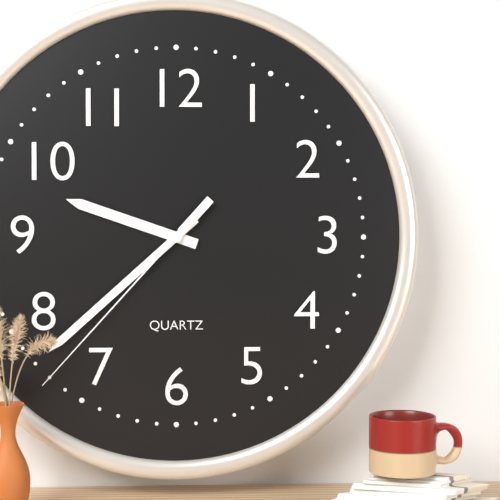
h=9 m=38 s=37
